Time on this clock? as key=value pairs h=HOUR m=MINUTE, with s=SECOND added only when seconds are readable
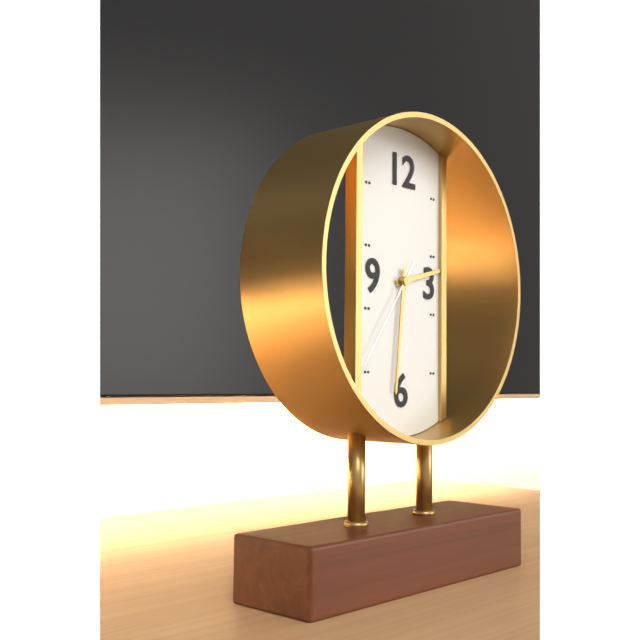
h=2 m=31 s=36
